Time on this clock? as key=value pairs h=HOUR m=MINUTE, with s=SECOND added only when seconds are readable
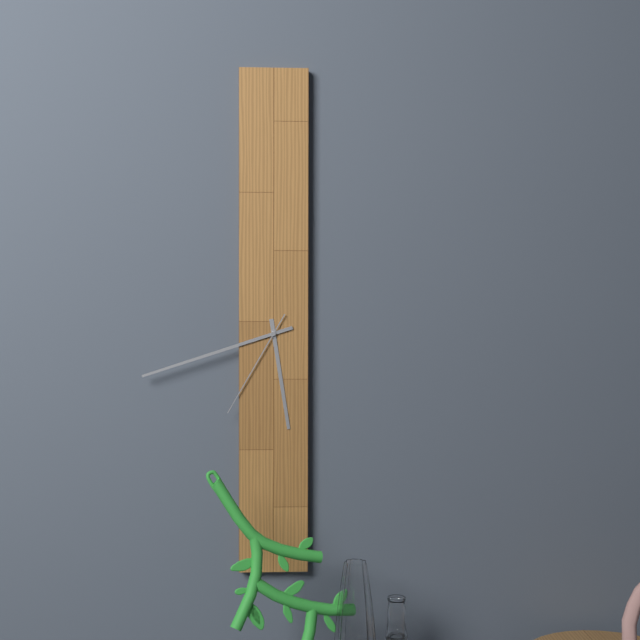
h=5 m=42 s=35
